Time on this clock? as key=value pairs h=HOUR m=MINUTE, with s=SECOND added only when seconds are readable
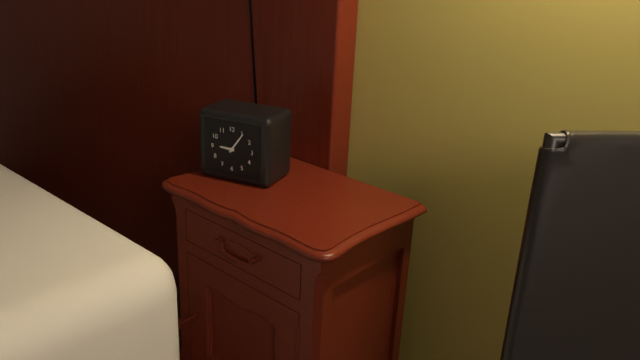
h=9 m=6
